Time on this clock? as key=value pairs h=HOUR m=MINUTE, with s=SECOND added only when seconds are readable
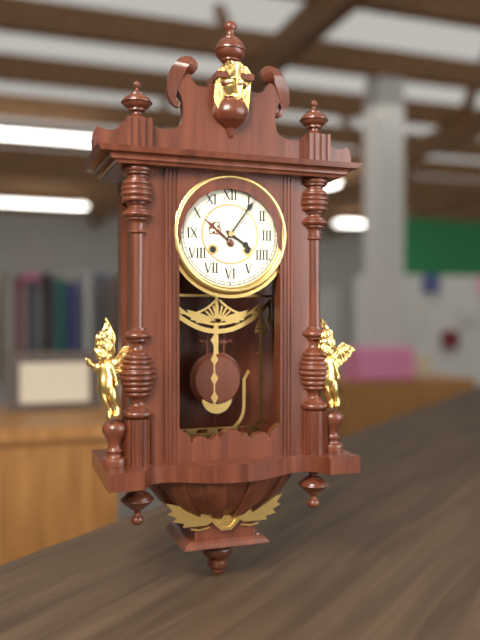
h=4 m=6
